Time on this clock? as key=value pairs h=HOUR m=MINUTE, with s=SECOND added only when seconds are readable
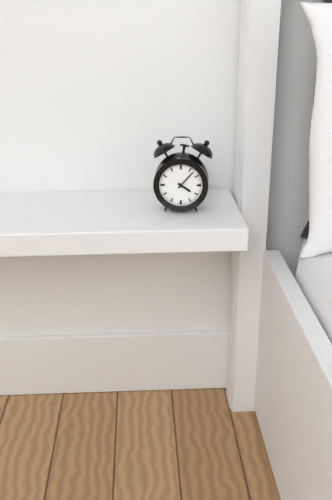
h=4 m=7
